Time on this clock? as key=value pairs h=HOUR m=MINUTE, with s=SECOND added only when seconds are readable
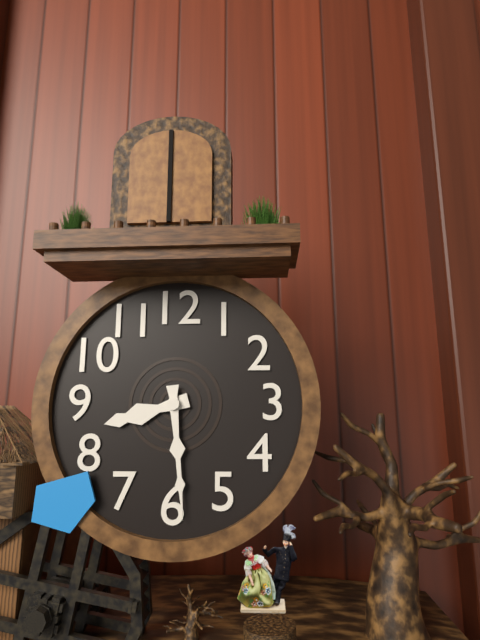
h=8 m=29
